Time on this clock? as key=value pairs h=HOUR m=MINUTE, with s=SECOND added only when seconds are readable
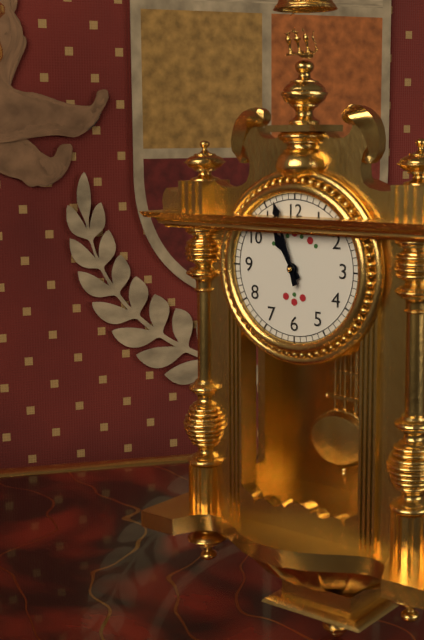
h=10 m=57
